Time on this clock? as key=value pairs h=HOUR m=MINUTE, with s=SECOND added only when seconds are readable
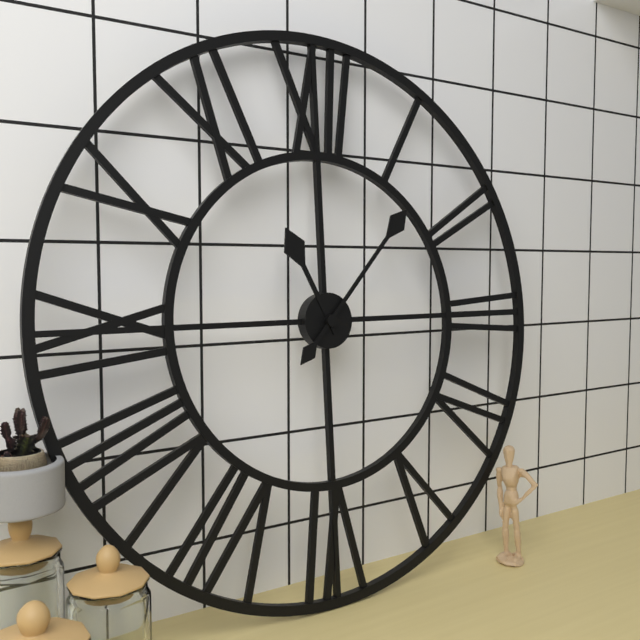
h=11 m=7
